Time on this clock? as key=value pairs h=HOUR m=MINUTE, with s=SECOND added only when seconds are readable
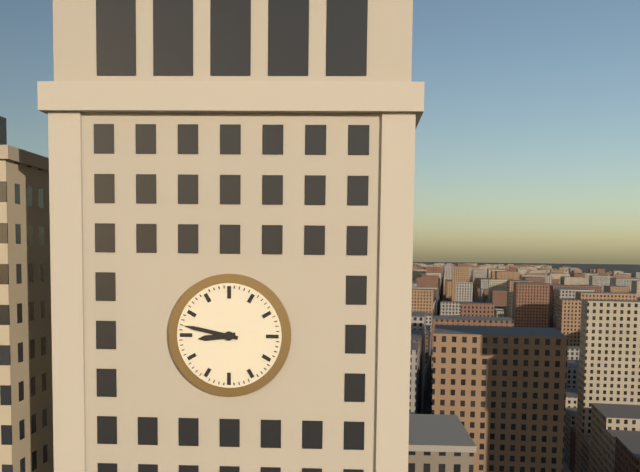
h=8 m=47
